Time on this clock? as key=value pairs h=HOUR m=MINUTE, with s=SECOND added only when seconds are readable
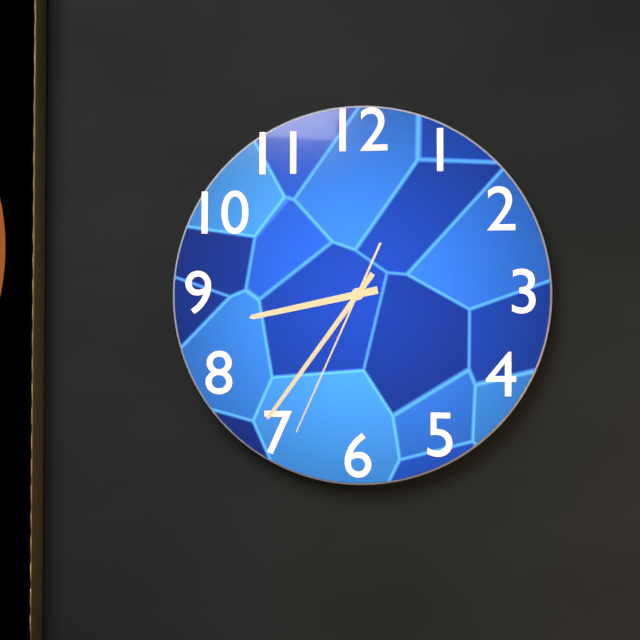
h=8 m=36 s=34
